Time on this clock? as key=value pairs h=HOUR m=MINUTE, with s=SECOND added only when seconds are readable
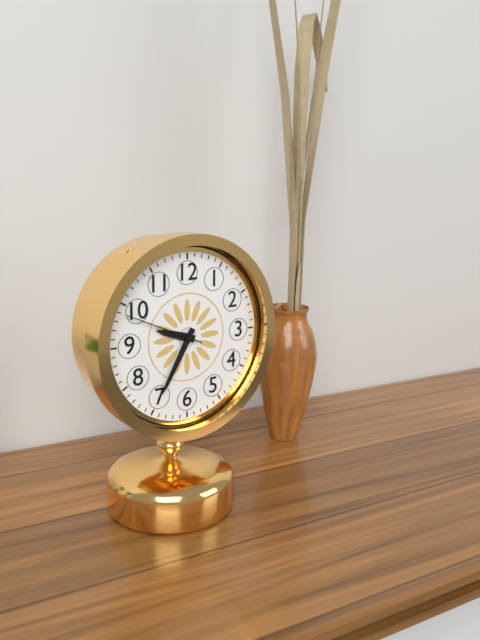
h=9 m=35 s=49
